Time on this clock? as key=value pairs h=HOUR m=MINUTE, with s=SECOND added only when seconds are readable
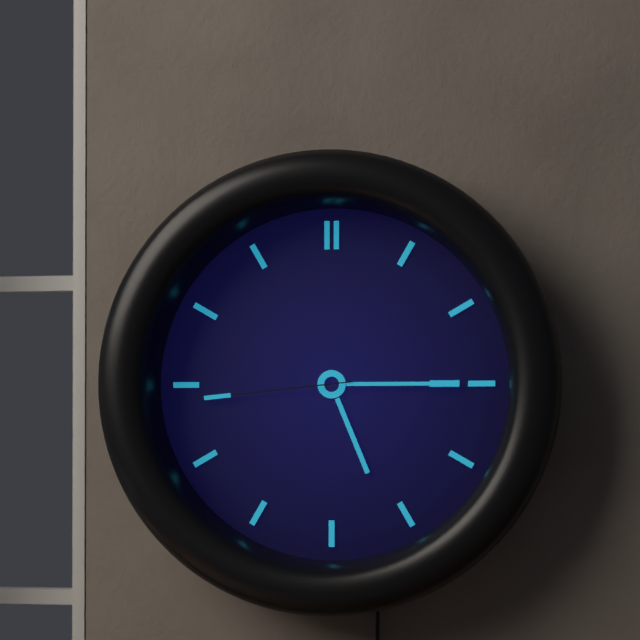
h=5 m=15 s=44
